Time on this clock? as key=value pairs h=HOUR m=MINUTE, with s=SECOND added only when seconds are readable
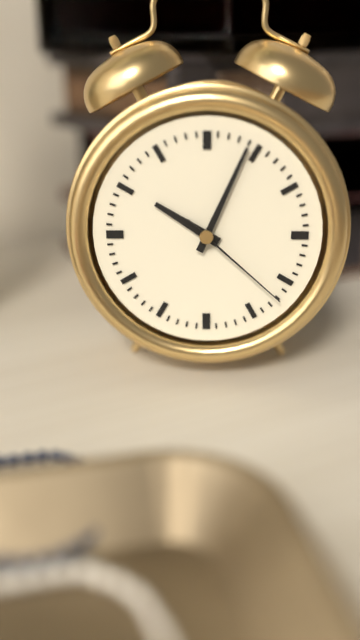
h=10 m=4 s=22
